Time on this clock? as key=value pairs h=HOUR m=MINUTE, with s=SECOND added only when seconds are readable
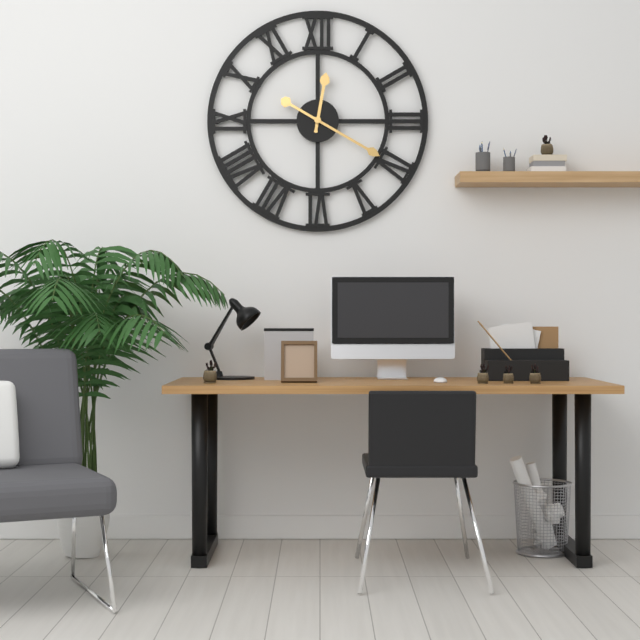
h=12 m=20
